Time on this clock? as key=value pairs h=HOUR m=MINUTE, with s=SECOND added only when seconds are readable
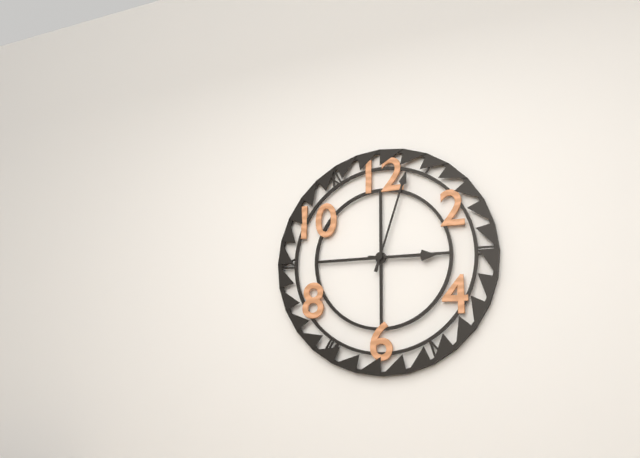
h=3 m=3
